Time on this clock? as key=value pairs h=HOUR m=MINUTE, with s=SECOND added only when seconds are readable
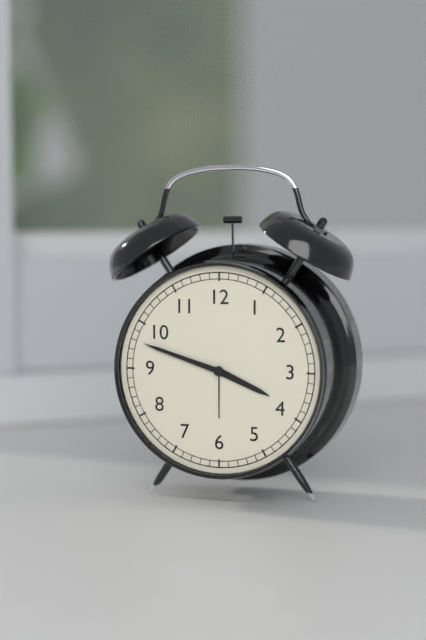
h=3 m=48
